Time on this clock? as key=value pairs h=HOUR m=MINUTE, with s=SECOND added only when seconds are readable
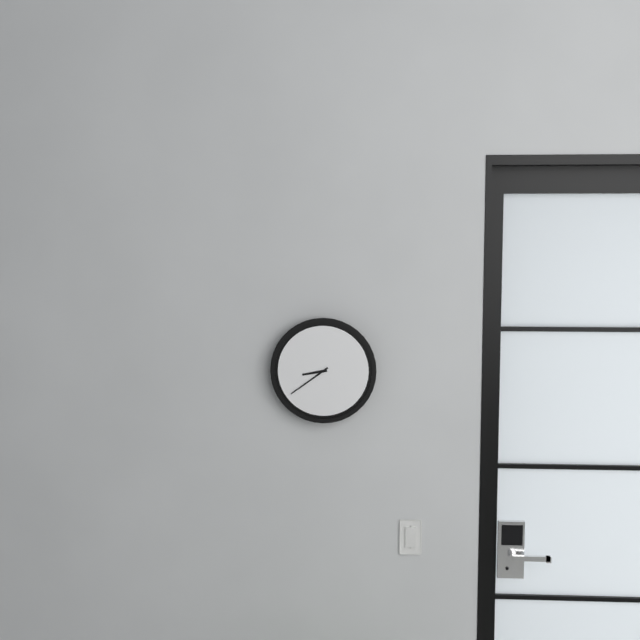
h=8 m=39
